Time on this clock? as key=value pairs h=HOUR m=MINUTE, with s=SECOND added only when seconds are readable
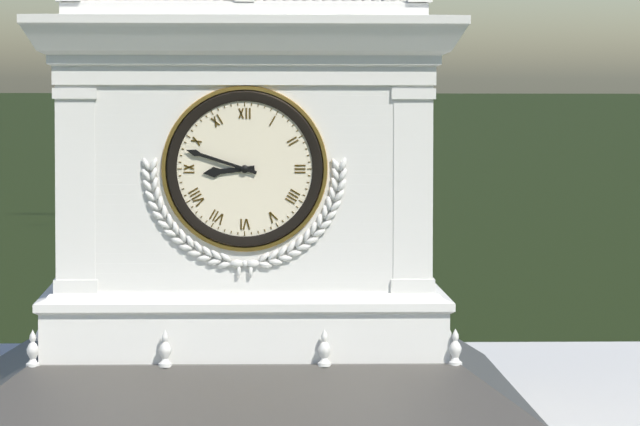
h=8 m=48
